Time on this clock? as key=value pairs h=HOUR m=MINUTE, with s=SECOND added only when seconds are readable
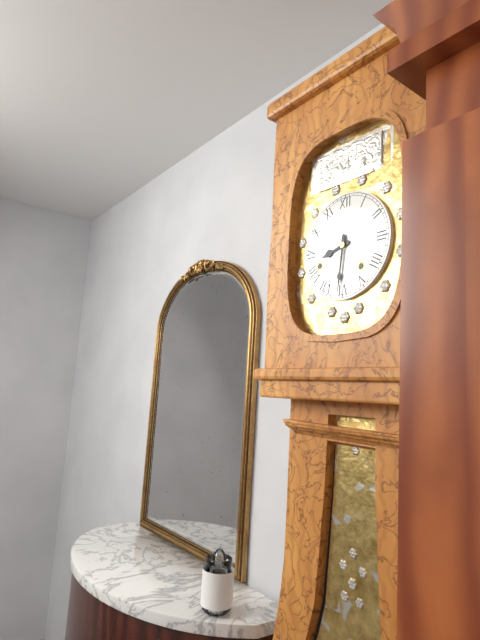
h=8 m=31
